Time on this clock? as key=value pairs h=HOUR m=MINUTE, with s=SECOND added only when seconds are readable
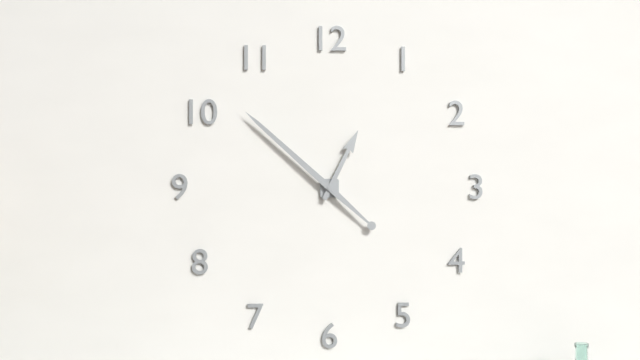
h=12 m=52
